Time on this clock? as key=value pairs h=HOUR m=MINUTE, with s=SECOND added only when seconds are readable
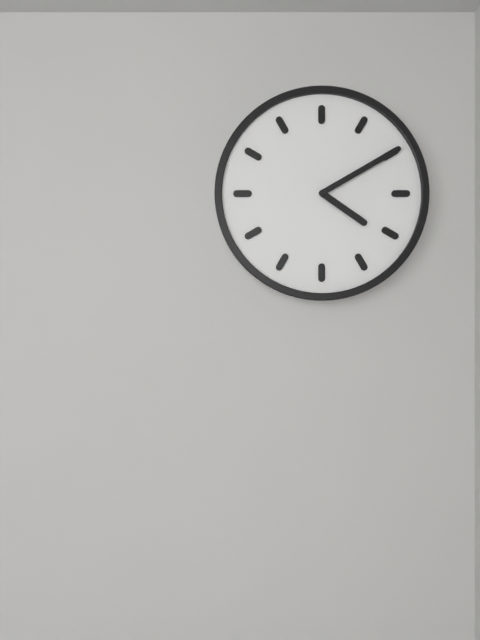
h=4 m=10
